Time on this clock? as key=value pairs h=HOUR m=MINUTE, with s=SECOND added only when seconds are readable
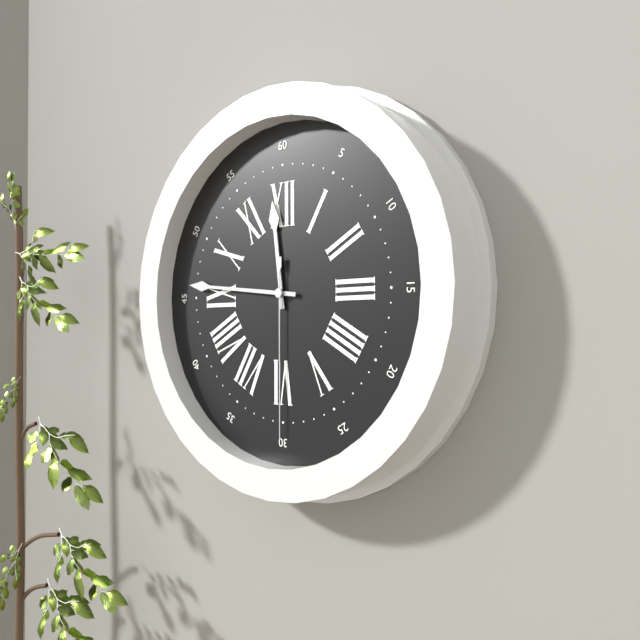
h=11 m=46 s=30
